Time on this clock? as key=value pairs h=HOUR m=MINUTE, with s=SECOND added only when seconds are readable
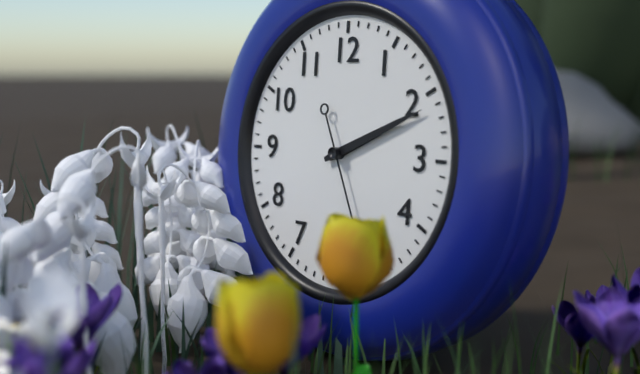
h=2 m=11
